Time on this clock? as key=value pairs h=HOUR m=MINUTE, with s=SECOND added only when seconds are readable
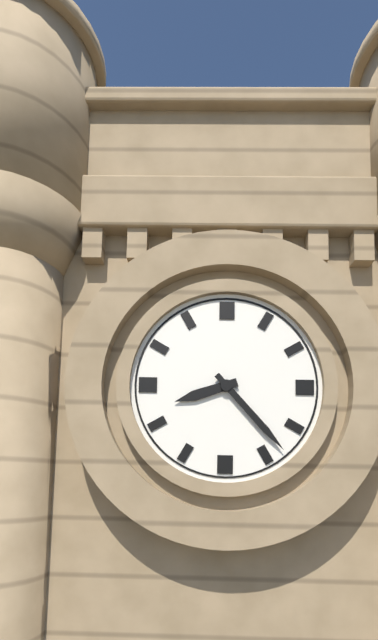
h=8 m=23
